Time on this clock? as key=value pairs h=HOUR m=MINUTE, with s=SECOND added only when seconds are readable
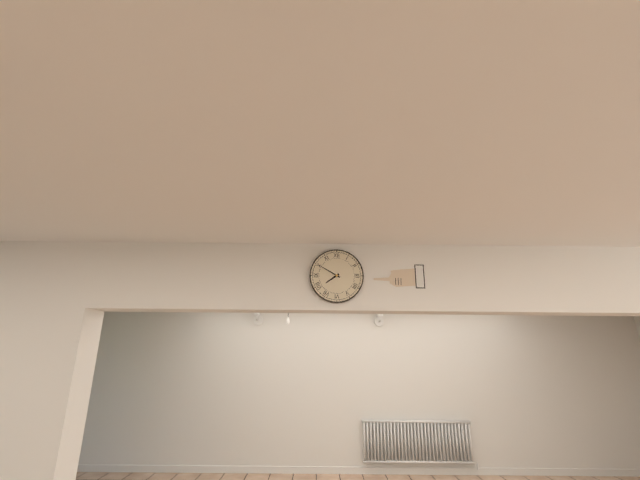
h=7 m=50
